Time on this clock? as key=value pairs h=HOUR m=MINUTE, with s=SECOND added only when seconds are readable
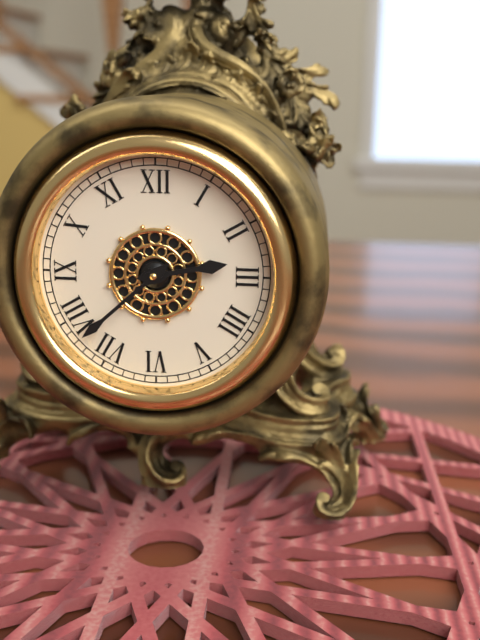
h=2 m=38
